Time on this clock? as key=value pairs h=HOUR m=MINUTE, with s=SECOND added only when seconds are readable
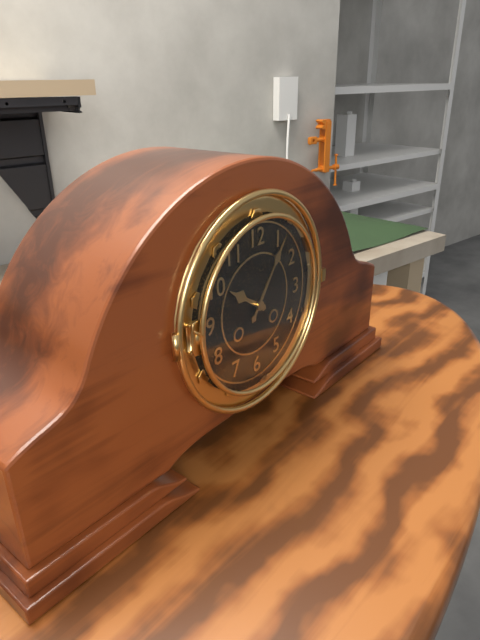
h=10 m=6
